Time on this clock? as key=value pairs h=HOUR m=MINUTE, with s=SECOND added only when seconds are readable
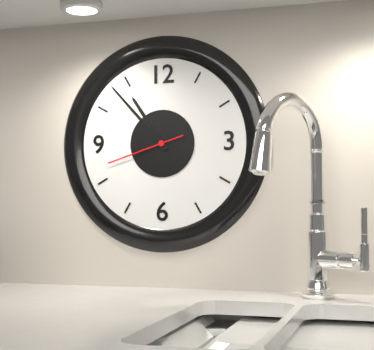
h=10 m=53 s=42
